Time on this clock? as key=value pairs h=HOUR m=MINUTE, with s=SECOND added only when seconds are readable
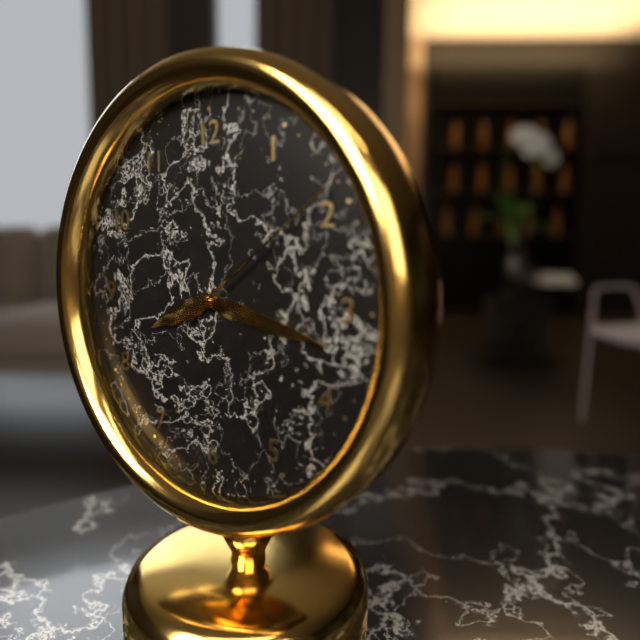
h=8 m=17 s=9
